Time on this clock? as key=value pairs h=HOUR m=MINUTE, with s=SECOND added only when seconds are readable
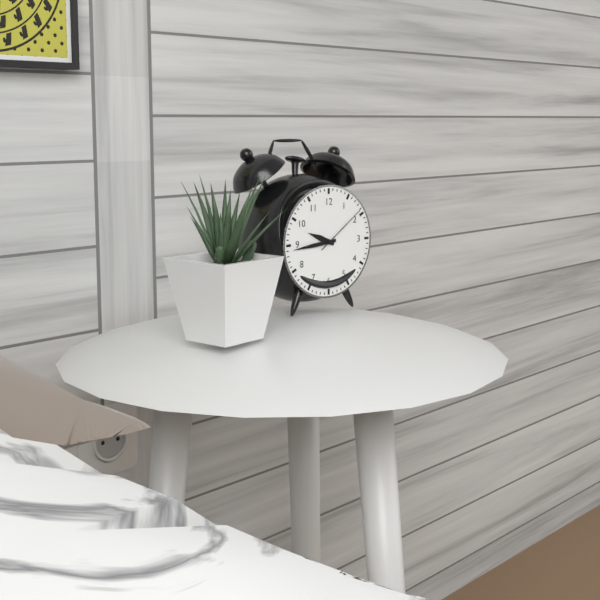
h=9 m=44 s=9
